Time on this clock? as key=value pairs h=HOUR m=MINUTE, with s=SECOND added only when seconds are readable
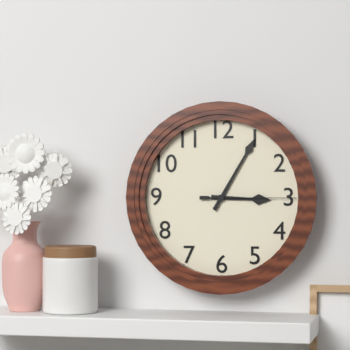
h=3 m=5 s=15
